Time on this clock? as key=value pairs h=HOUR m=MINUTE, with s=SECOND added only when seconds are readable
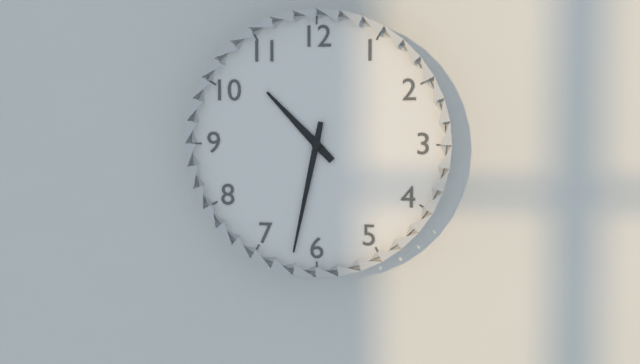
h=10 m=32
